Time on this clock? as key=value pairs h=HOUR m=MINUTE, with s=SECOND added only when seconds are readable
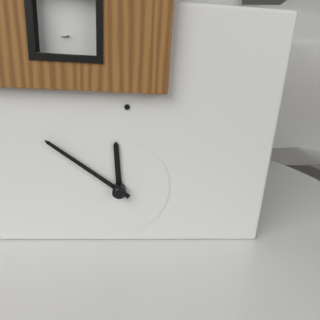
h=11 m=51
